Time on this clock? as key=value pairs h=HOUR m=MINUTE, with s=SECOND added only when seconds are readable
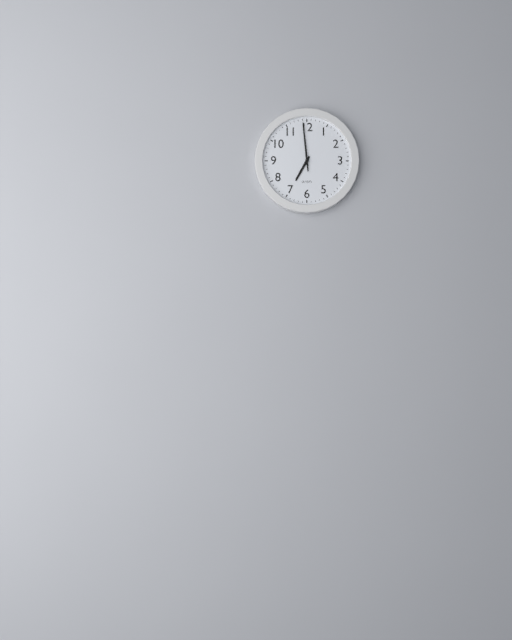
h=6 m=59
